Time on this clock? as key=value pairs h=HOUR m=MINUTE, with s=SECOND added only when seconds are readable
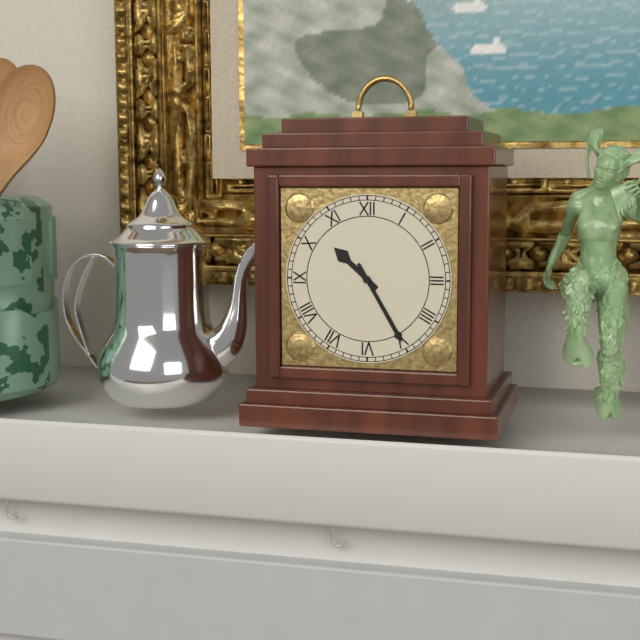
h=10 m=25
